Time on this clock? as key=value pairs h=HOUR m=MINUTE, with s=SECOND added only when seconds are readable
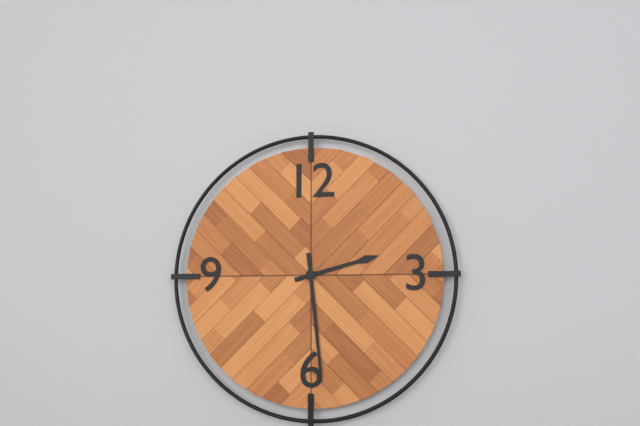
h=2 m=29
